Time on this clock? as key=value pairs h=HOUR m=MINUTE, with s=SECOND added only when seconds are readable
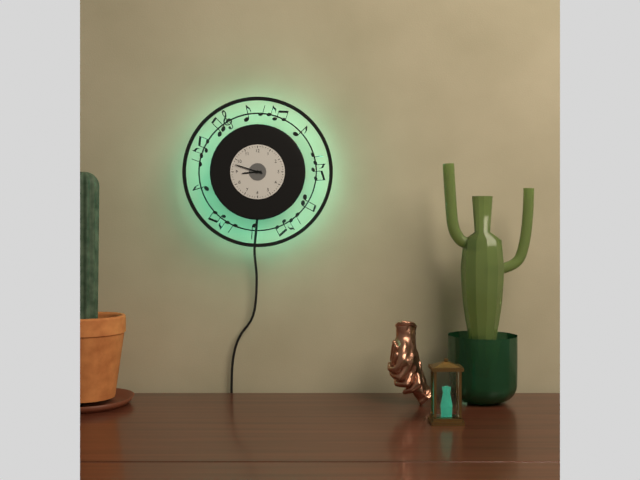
h=8 m=48
